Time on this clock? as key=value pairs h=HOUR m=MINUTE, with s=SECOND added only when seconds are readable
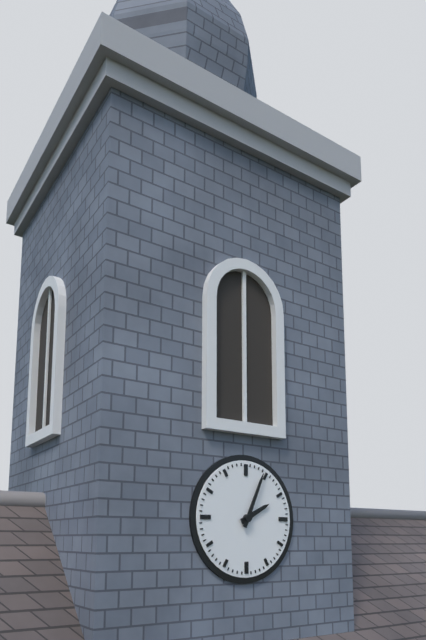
h=2 m=4
